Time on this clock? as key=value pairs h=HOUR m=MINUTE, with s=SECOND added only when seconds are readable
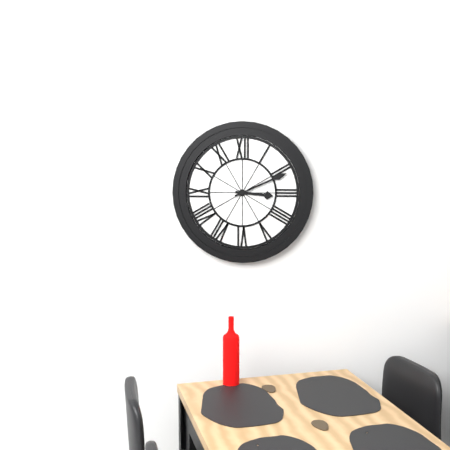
h=3 m=11
